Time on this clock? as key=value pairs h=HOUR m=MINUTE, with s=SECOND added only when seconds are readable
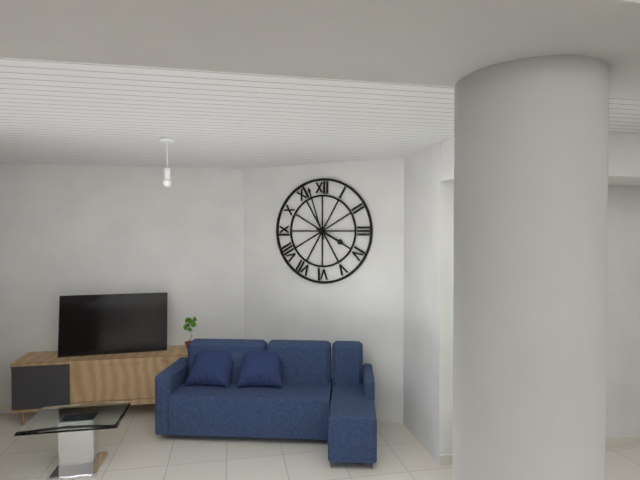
h=3 m=57
